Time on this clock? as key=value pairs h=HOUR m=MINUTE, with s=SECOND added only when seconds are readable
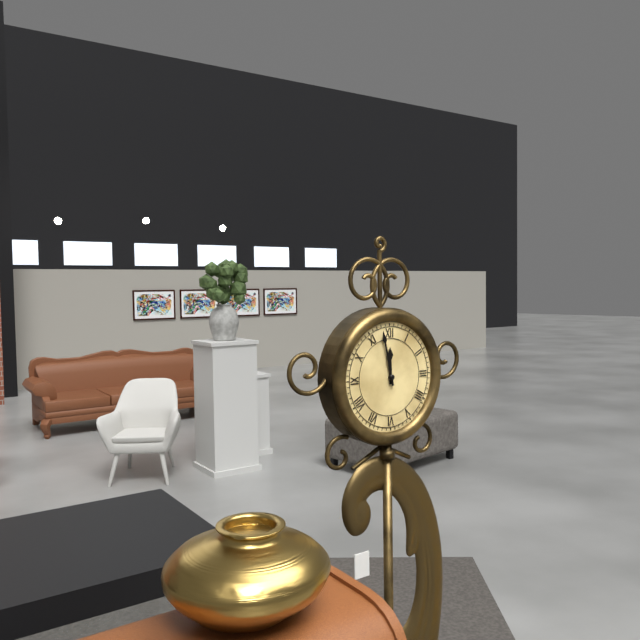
h=11 m=58
